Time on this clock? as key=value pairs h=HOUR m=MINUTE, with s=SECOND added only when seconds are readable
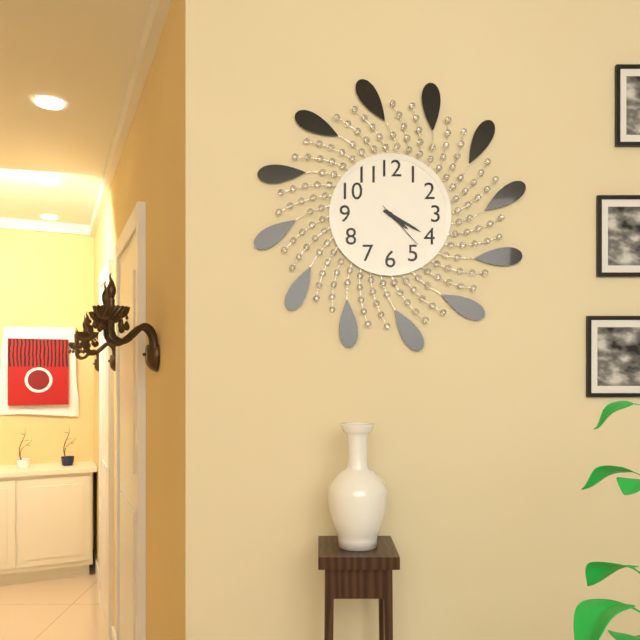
h=4 m=20 s=23
